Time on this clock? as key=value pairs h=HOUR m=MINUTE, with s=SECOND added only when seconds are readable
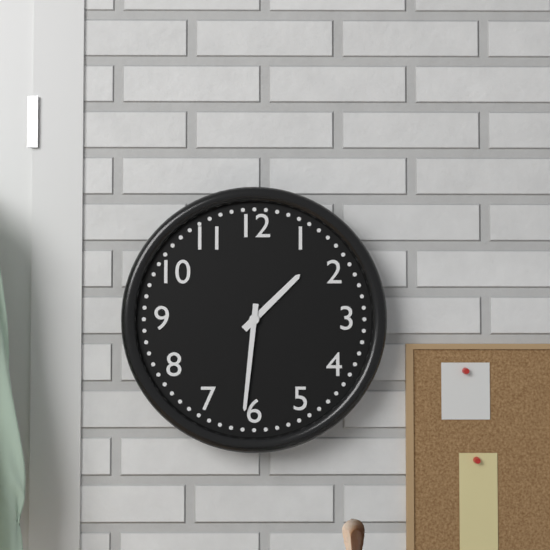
h=1 m=31
